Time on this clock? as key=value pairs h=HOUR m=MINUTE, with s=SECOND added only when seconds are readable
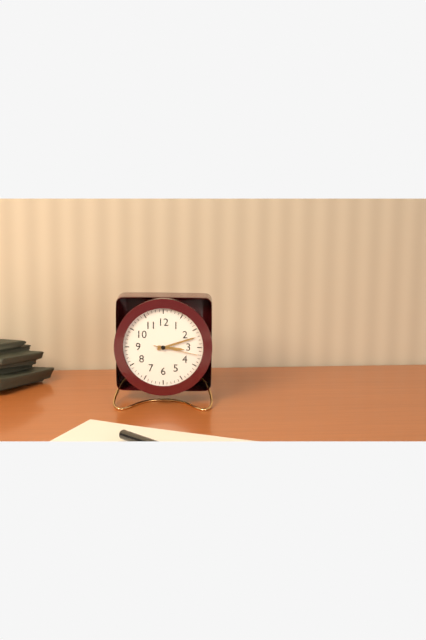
h=3 m=12
